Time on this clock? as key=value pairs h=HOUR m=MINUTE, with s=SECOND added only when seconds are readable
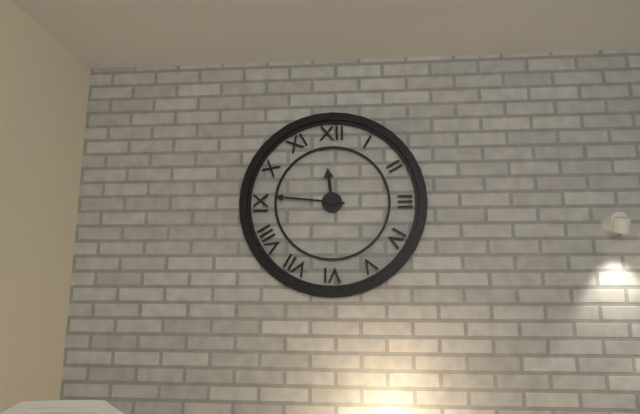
h=11 m=46
